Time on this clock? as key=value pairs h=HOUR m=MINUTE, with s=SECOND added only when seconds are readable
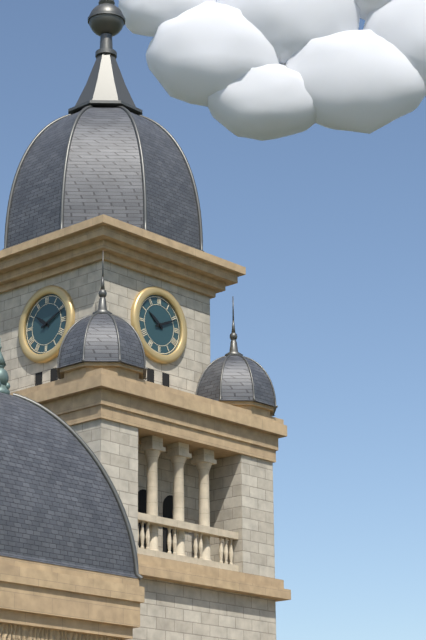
h=10 m=11
